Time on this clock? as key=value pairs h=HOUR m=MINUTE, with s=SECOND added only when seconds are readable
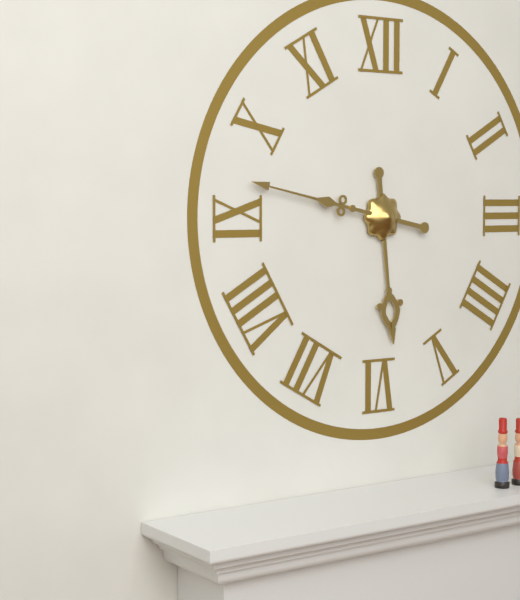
h=5 m=47
